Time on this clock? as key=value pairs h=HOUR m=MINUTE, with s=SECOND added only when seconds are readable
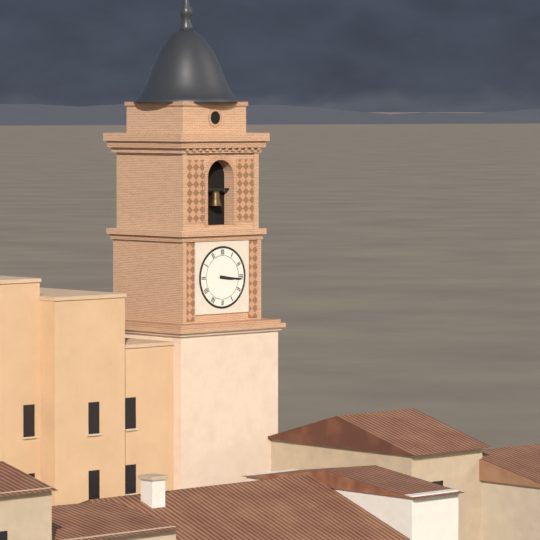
h=3 m=16
